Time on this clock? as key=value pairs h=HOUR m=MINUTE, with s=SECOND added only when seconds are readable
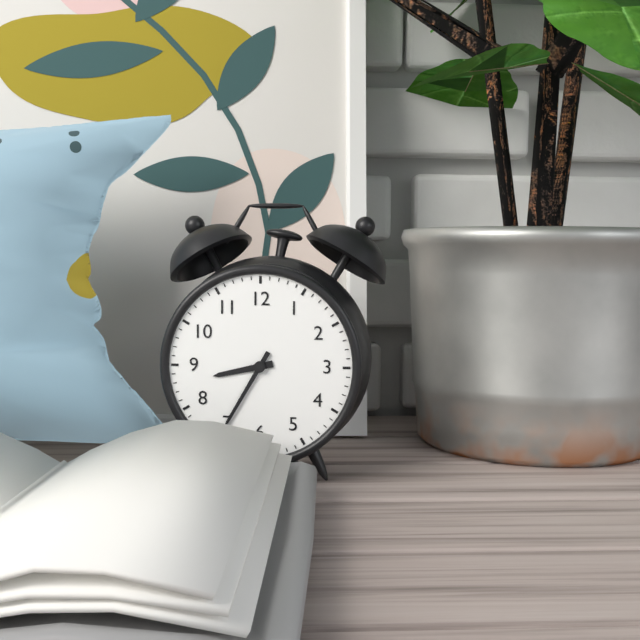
h=8 m=35
